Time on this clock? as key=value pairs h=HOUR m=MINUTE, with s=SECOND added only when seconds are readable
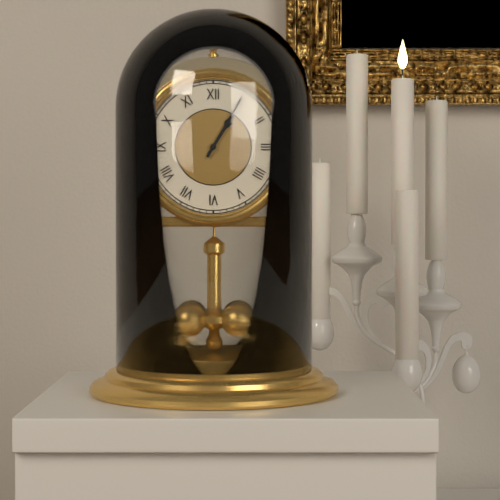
h=1 m=5
